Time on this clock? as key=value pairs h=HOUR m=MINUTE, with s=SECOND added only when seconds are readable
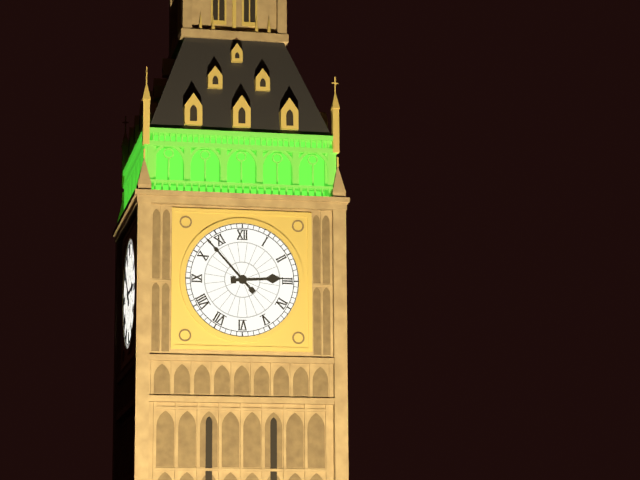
h=2 m=53
